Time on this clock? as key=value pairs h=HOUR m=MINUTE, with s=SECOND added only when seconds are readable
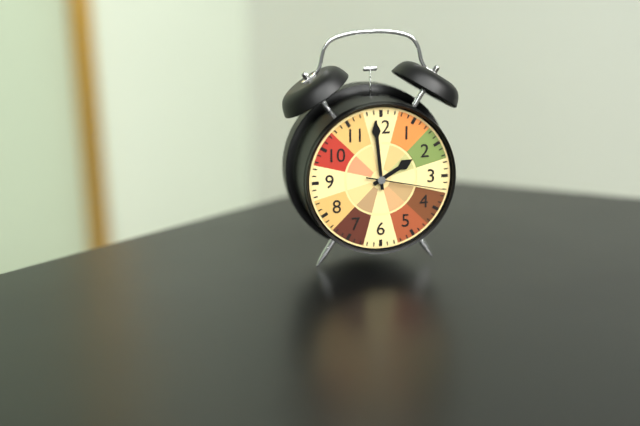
h=1 m=59 s=17
